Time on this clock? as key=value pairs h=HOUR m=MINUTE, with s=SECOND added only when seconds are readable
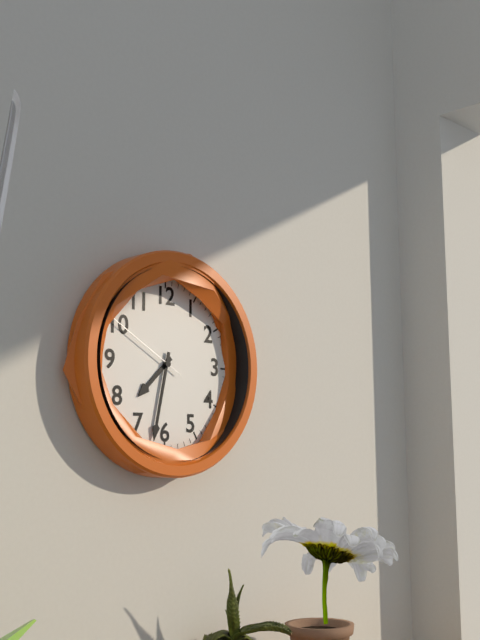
h=7 m=32 s=50
